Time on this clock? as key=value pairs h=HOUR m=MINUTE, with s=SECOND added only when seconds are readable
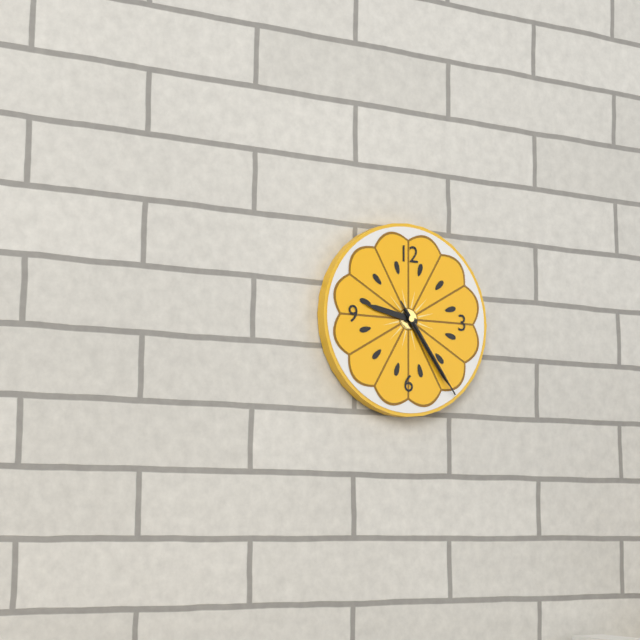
h=9 m=24 s=24
